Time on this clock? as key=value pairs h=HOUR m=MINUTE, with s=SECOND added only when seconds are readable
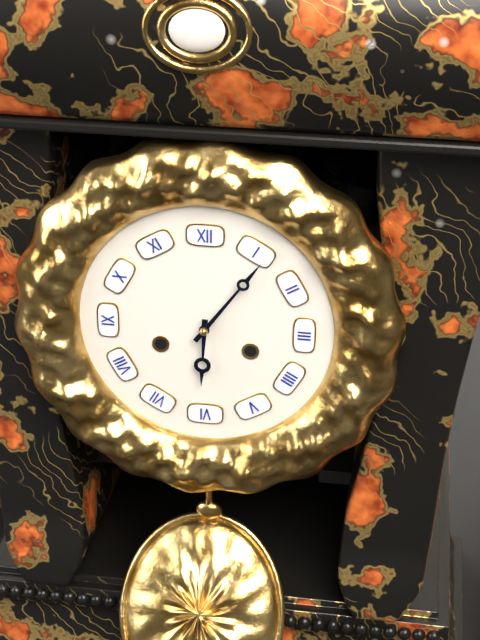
h=6 m=6
